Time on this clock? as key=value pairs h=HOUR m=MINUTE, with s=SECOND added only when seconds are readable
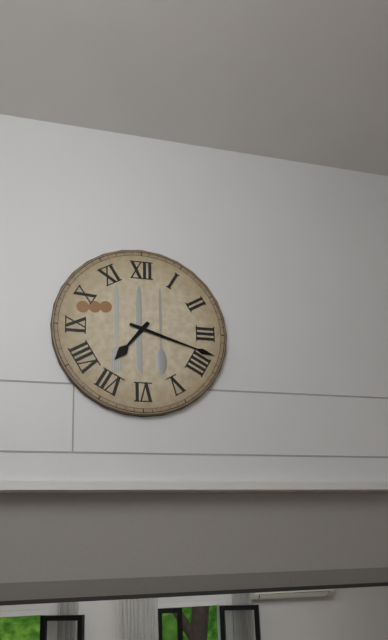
h=7 m=18
